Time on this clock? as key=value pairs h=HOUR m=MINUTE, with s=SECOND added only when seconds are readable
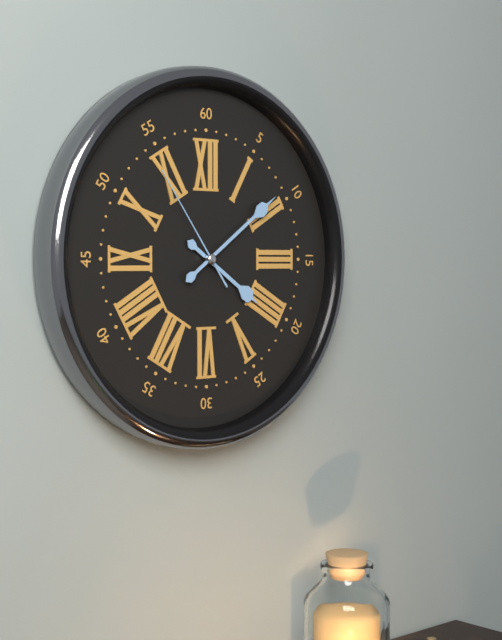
h=4 m=9 s=54
